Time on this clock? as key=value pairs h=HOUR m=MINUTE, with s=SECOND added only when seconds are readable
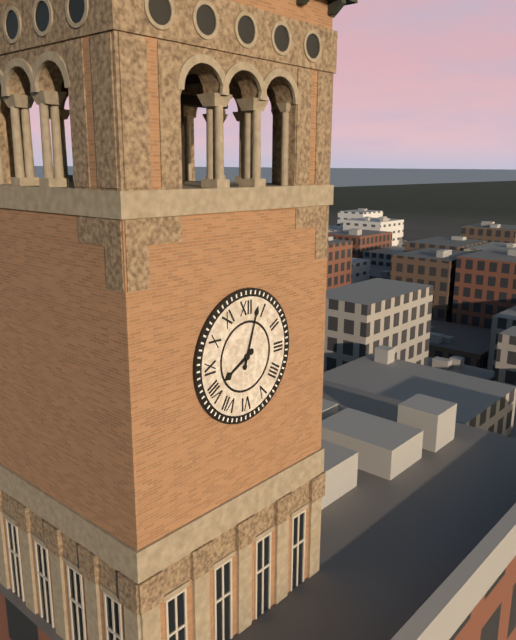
h=8 m=3
